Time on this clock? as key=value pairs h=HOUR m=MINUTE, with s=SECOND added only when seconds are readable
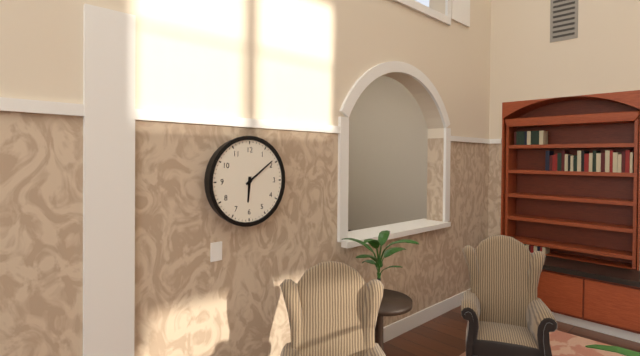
h=6 m=9
